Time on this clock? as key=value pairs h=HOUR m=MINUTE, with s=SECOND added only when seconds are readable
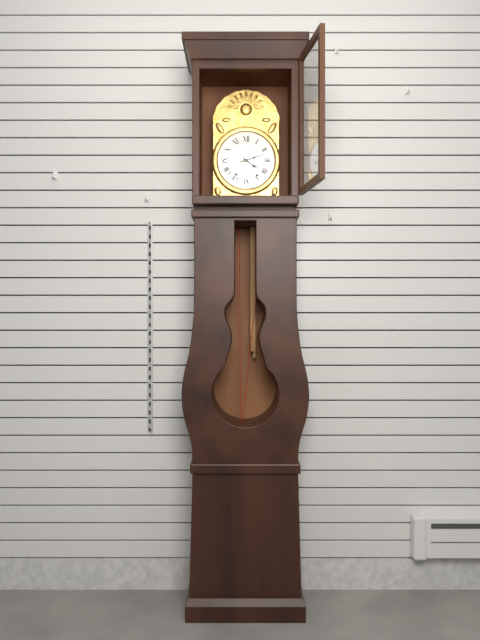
h=4 m=12
